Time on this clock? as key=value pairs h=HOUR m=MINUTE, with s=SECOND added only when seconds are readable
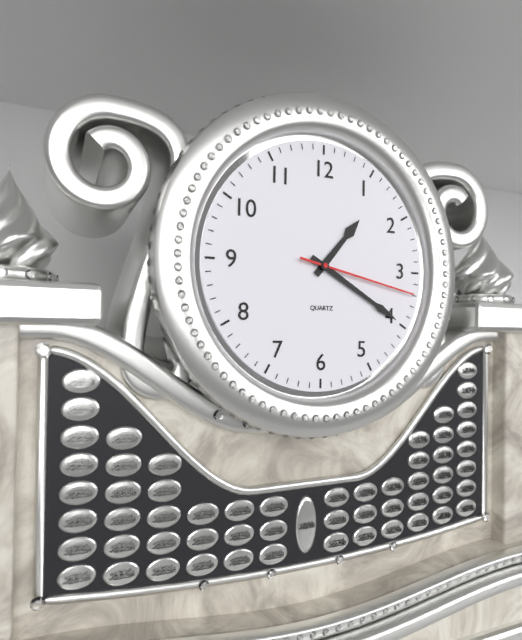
h=1 m=20 s=17
